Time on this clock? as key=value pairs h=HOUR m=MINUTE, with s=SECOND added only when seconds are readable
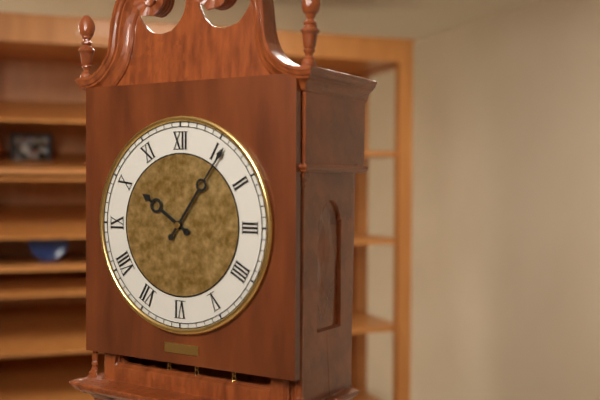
h=10 m=6
